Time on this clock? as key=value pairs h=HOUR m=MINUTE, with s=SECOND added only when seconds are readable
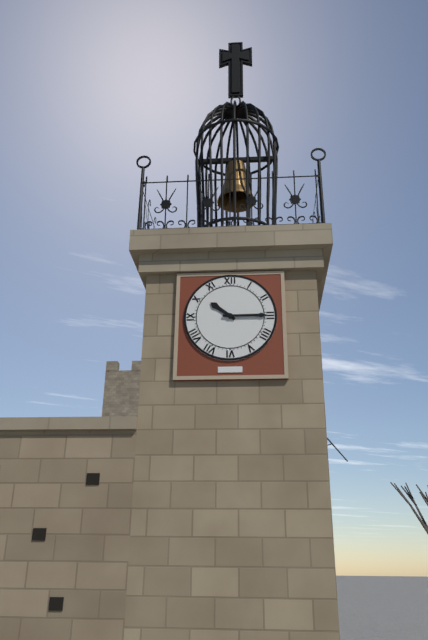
h=10 m=15
